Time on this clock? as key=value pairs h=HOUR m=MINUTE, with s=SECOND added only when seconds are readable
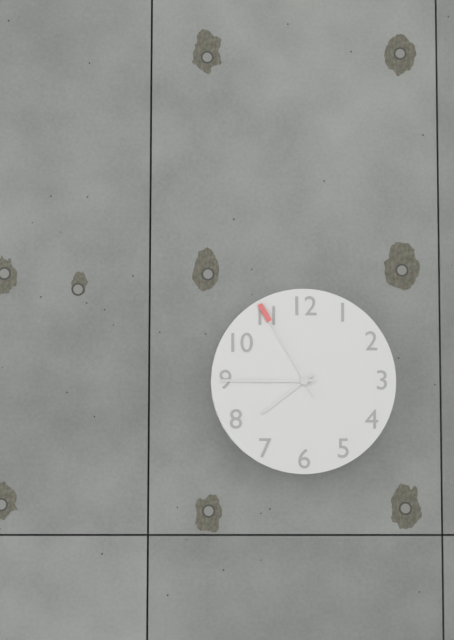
h=7 m=45 s=55
